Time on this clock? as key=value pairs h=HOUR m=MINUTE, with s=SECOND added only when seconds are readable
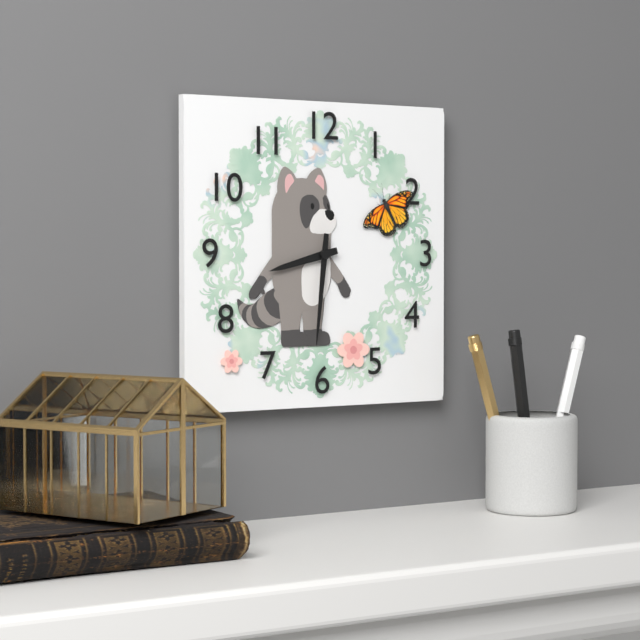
h=8 m=31
